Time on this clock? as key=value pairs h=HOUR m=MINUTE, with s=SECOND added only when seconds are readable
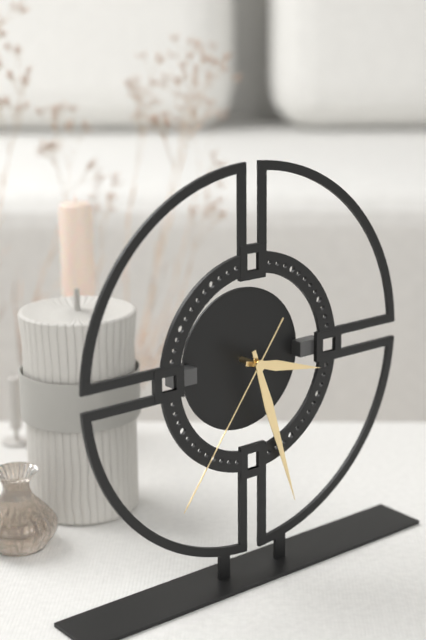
h=3 m=27 s=36
